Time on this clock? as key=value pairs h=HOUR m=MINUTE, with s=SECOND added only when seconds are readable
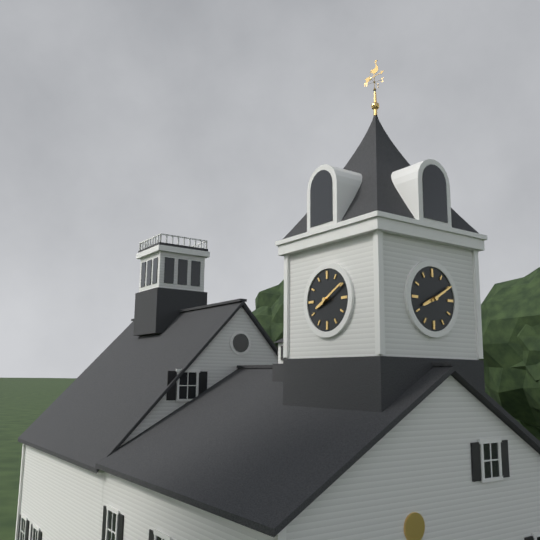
h=8 m=10
